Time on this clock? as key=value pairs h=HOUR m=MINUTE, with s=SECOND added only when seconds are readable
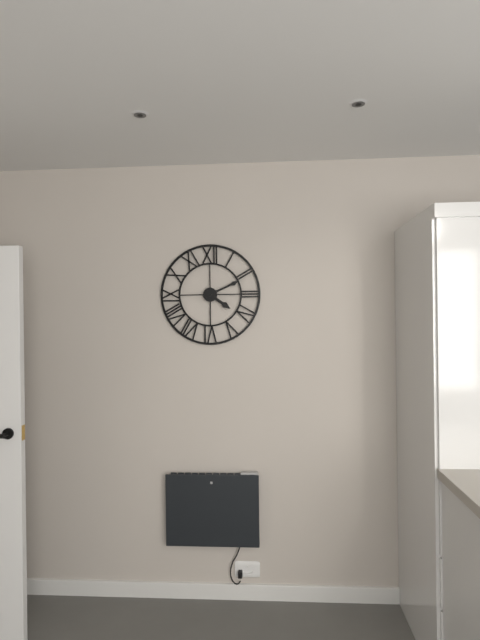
h=4 m=11
